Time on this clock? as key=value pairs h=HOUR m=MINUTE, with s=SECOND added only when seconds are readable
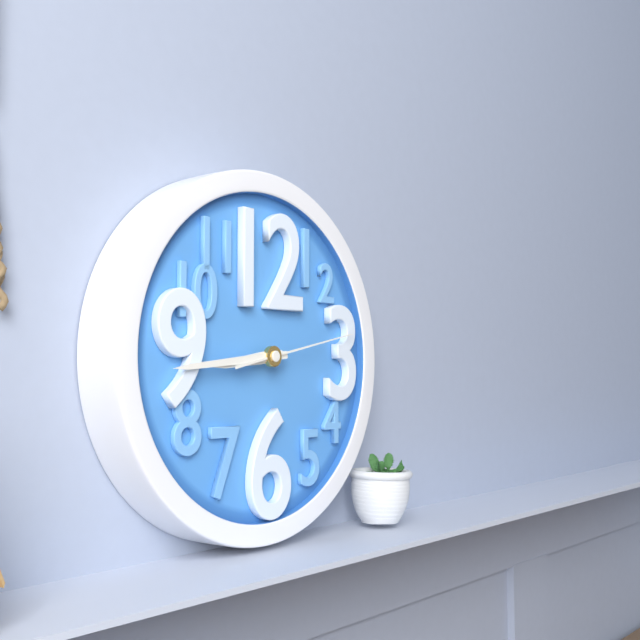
h=8 m=44 s=13
